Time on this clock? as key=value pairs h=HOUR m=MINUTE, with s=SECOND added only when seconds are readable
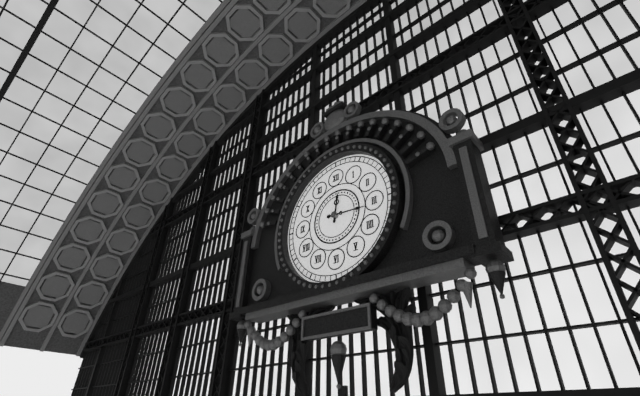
h=12 m=16
